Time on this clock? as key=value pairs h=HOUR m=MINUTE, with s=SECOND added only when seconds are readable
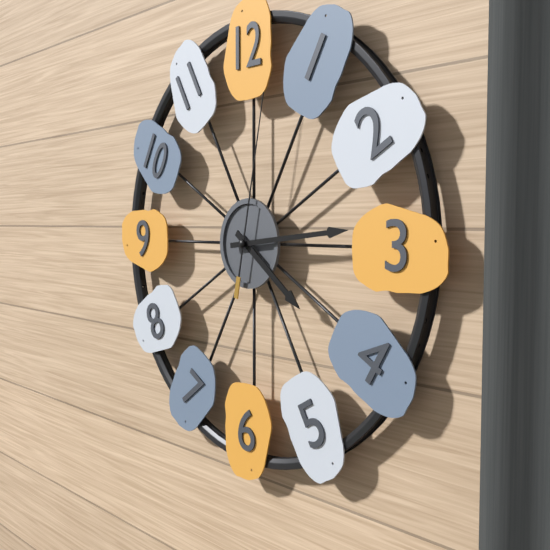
h=4 m=14 s=2
